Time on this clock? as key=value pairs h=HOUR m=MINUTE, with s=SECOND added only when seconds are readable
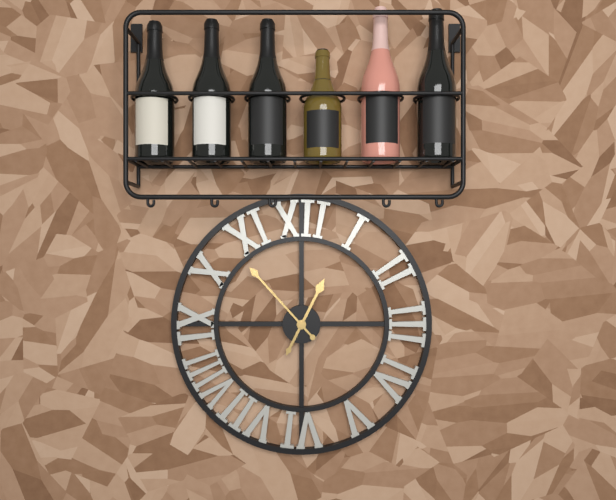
h=12 m=53
